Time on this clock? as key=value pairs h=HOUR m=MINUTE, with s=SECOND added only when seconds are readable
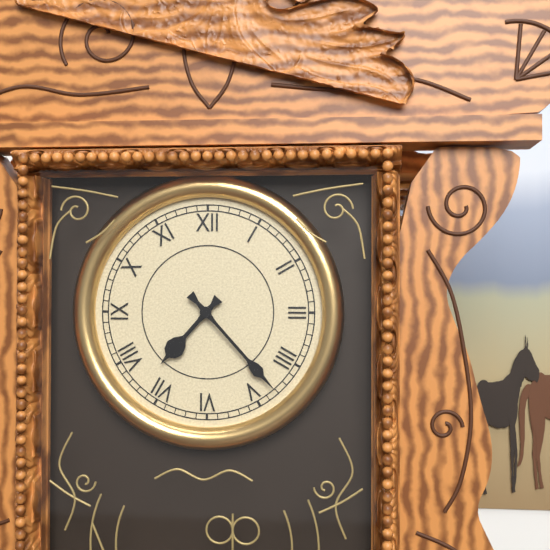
h=7 m=23
